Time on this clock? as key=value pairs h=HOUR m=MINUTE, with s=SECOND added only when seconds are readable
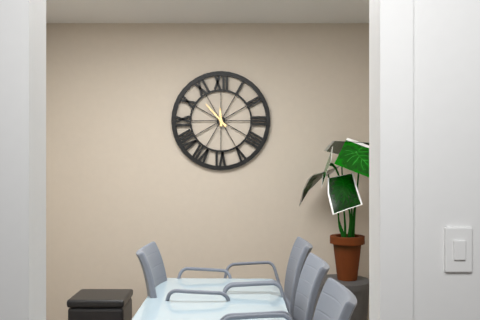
h=11 m=53
